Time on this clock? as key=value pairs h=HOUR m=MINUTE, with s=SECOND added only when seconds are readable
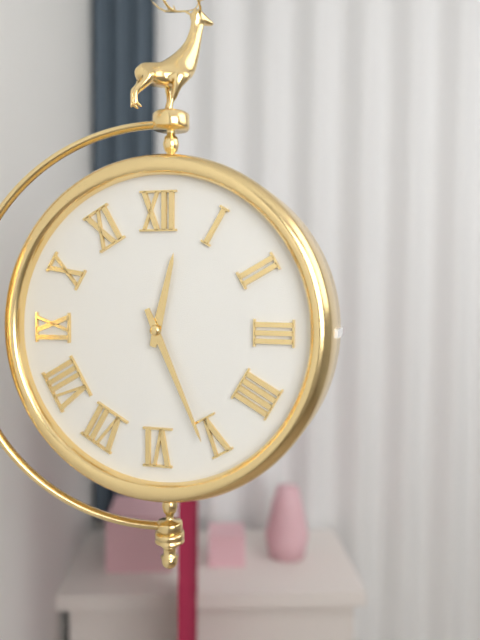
h=12 m=26
